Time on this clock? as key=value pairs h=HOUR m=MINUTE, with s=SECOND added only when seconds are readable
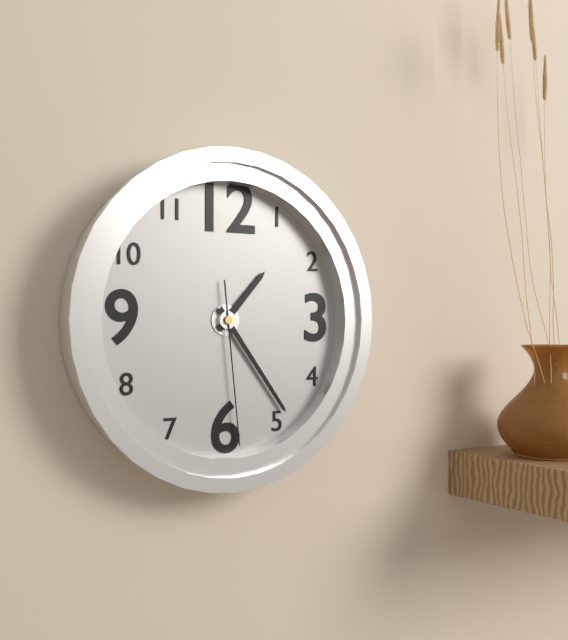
h=1 m=24 s=29
